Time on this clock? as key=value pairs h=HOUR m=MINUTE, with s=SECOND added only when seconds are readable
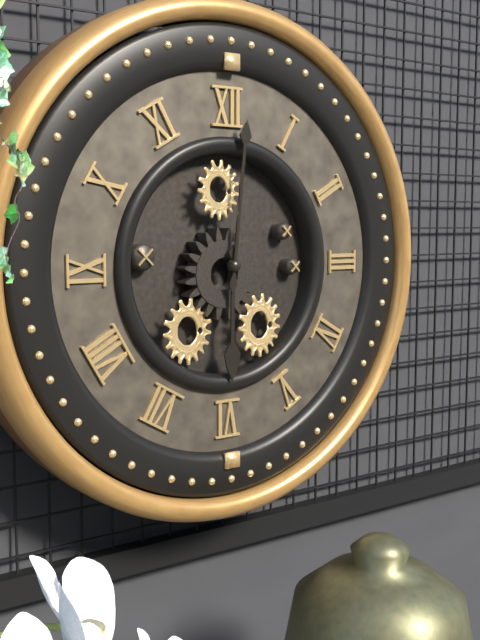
h=6 m=1
